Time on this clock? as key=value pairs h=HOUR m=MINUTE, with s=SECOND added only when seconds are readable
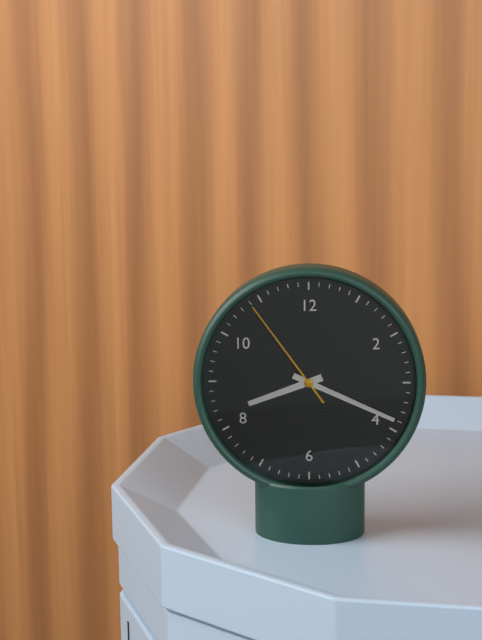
h=8 m=19 s=54
